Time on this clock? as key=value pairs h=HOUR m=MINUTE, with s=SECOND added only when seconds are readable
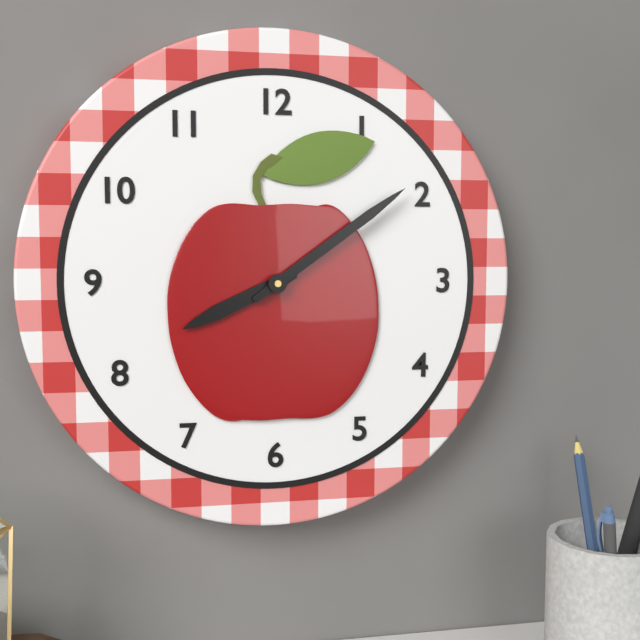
h=8 m=9
